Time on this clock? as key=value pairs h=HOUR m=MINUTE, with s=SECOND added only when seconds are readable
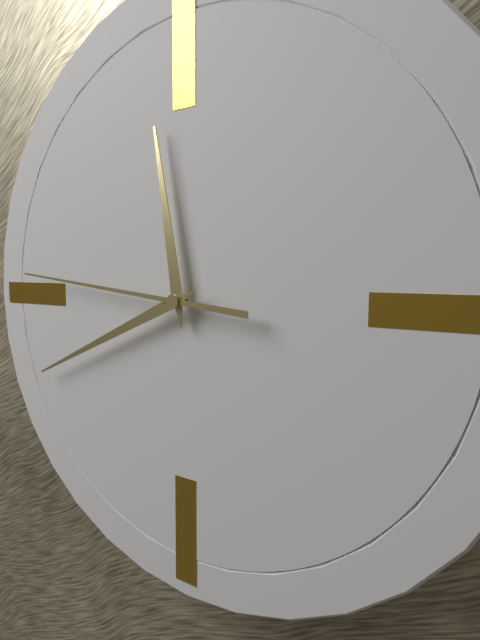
h=11 m=41 s=46
